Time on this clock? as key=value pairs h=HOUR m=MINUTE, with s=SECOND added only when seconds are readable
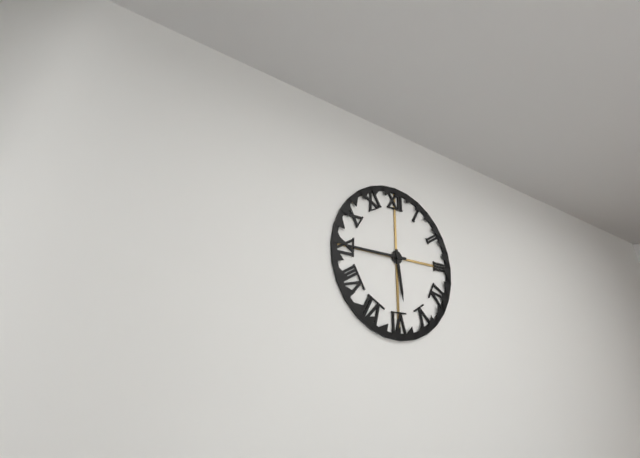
h=5 m=45
